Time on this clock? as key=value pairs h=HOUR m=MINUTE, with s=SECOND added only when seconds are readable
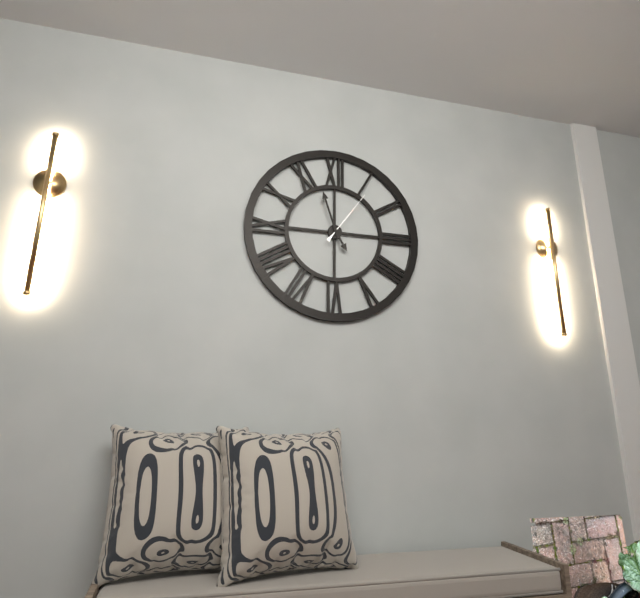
h=4 m=57 s=6
